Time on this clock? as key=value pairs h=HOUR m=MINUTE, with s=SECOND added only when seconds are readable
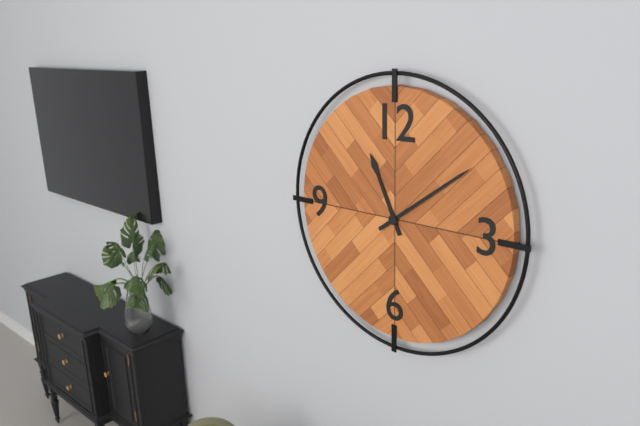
h=11 m=9
